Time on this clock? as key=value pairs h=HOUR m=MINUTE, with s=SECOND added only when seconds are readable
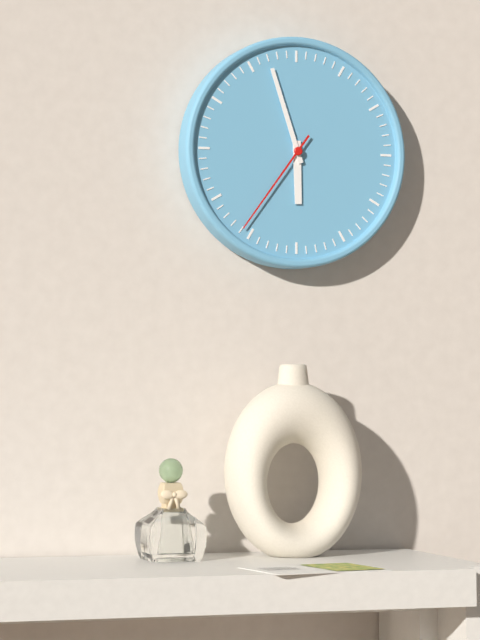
h=5 m=57 s=36
